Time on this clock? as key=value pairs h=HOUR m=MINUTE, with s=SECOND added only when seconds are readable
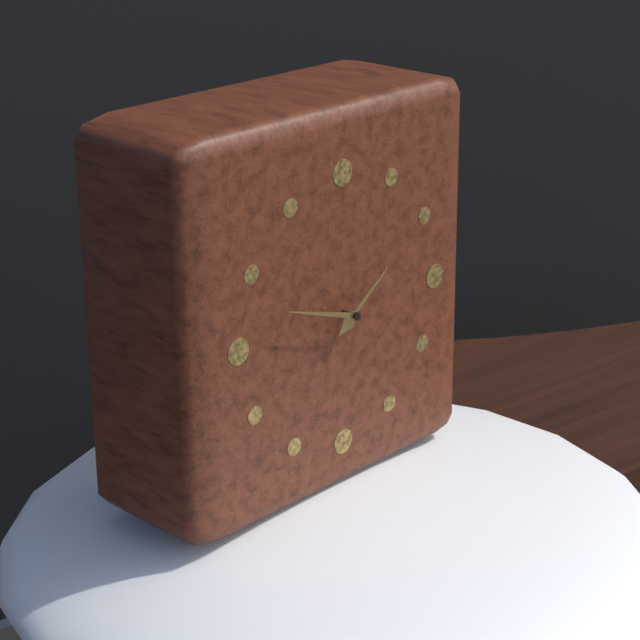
h=1 m=48
